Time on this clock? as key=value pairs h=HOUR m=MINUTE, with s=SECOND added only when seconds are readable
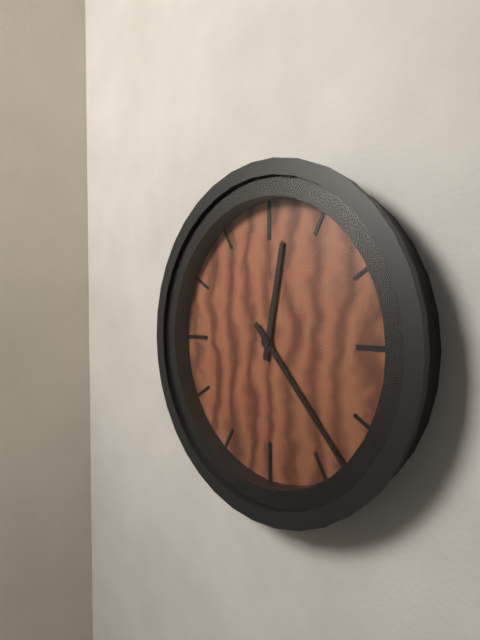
h=12 m=23
